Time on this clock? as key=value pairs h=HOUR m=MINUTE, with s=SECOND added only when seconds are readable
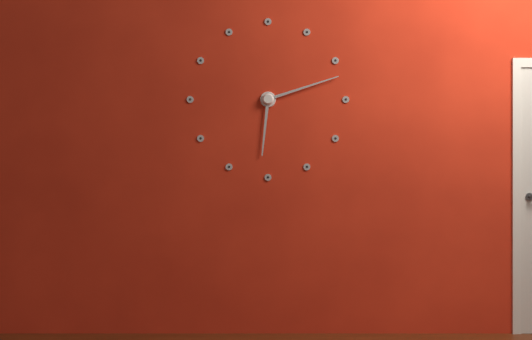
h=6 m=12
